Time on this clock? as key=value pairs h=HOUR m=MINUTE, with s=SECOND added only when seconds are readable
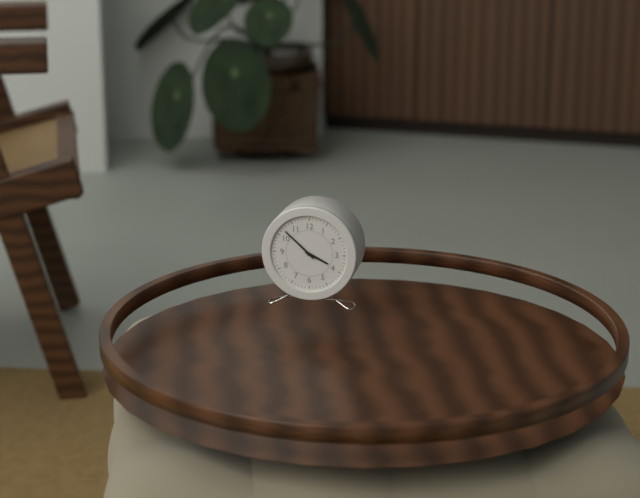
h=3 m=52
